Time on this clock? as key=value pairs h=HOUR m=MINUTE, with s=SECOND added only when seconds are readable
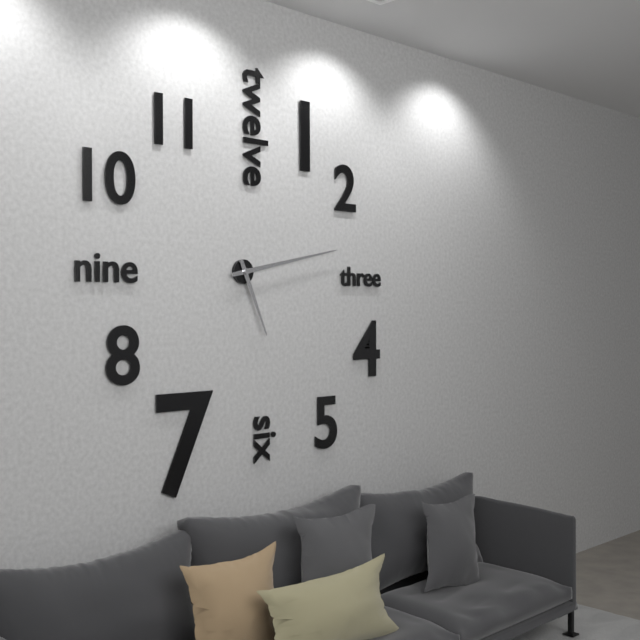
h=5 m=13
